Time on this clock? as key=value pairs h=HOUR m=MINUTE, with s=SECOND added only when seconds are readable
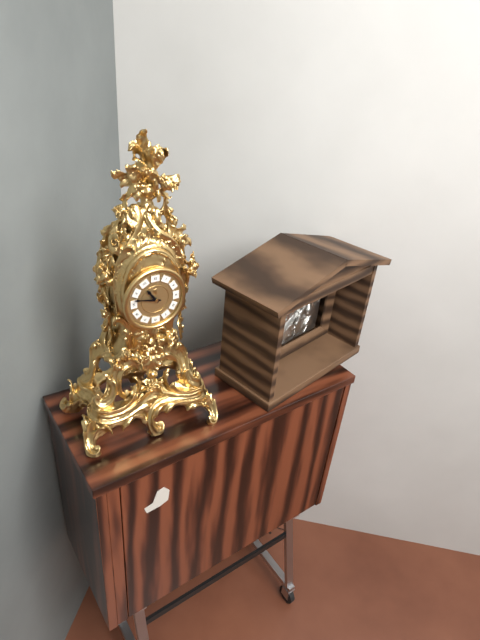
h=10 m=47
